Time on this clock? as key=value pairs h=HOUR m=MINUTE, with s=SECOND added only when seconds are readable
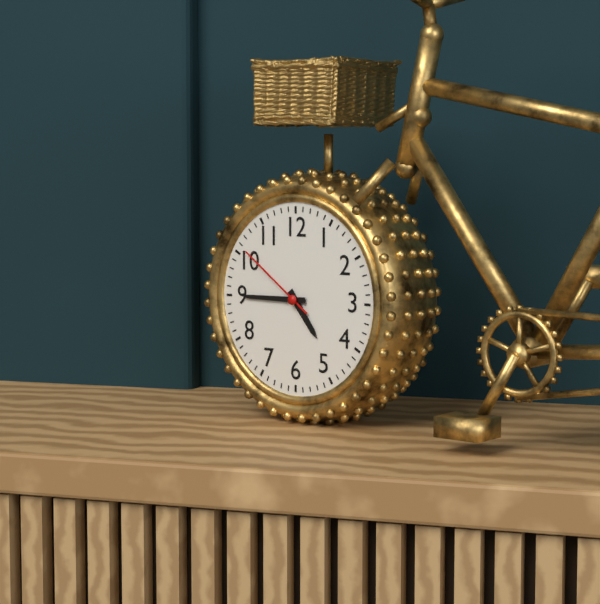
h=4 m=45 s=51
